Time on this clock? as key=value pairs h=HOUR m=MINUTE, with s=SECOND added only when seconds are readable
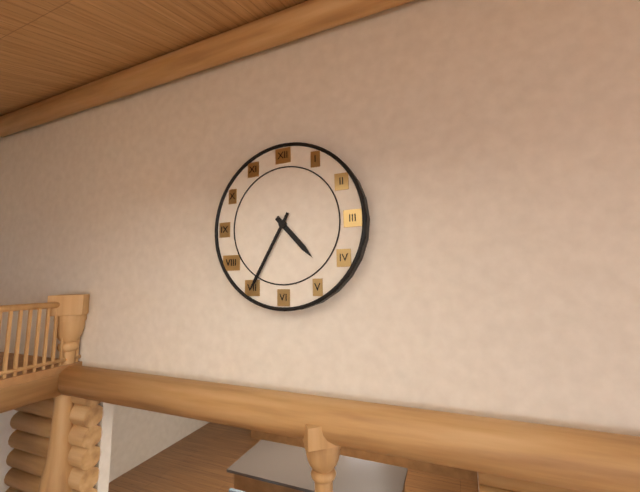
h=4 m=35
